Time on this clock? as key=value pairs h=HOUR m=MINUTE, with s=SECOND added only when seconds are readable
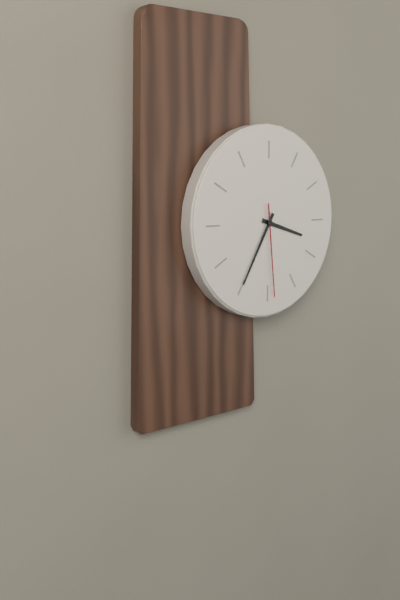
h=3 m=35 s=29
